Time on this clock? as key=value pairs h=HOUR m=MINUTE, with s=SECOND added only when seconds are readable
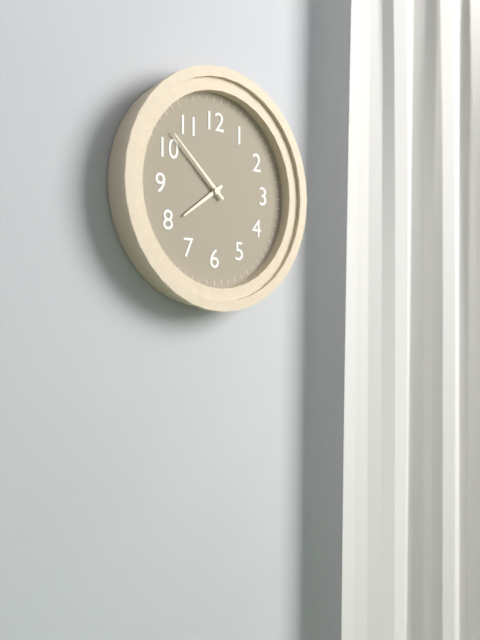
h=7 m=52
